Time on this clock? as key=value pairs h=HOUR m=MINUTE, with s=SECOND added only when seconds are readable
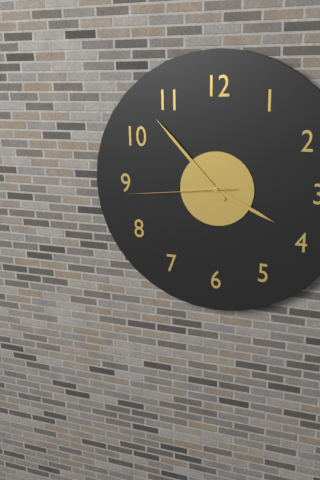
h=3 m=53 s=44
